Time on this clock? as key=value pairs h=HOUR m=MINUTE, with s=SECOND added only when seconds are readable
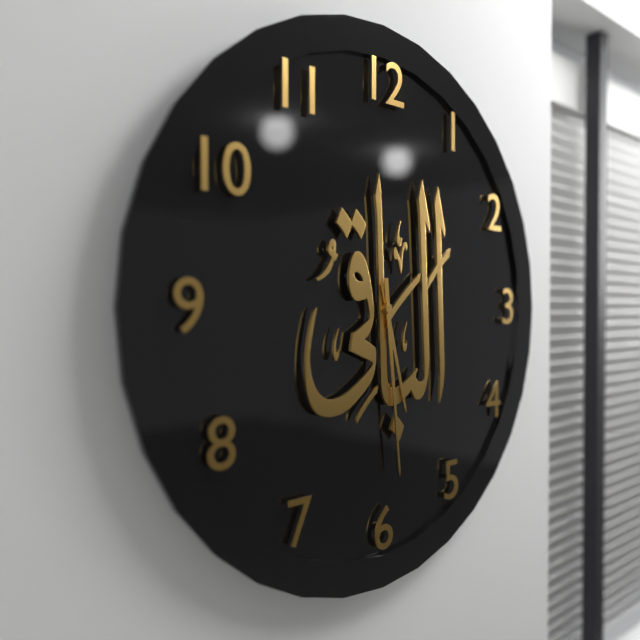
h=5 m=29
